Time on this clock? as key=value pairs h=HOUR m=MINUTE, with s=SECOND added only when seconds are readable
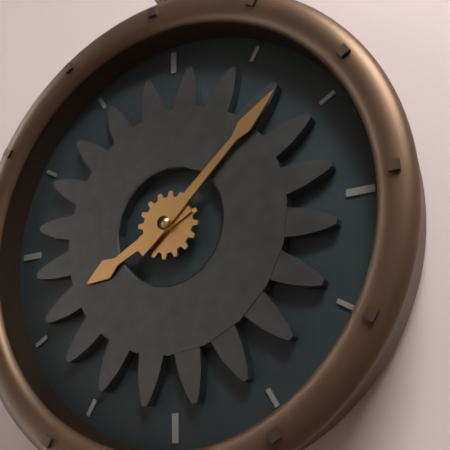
h=8 m=8
